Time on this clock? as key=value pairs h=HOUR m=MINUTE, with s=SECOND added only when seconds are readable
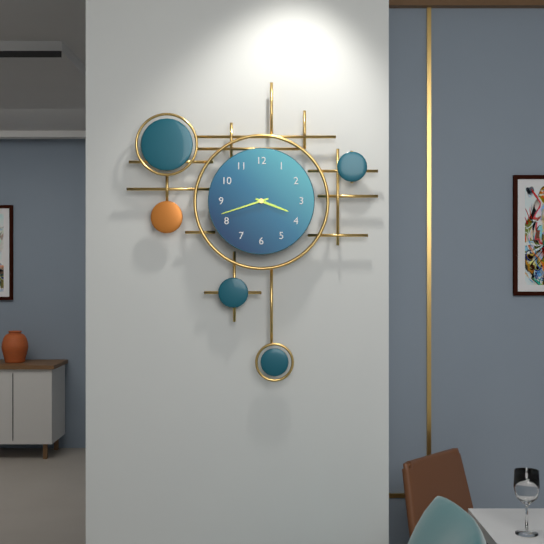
h=3 m=42
